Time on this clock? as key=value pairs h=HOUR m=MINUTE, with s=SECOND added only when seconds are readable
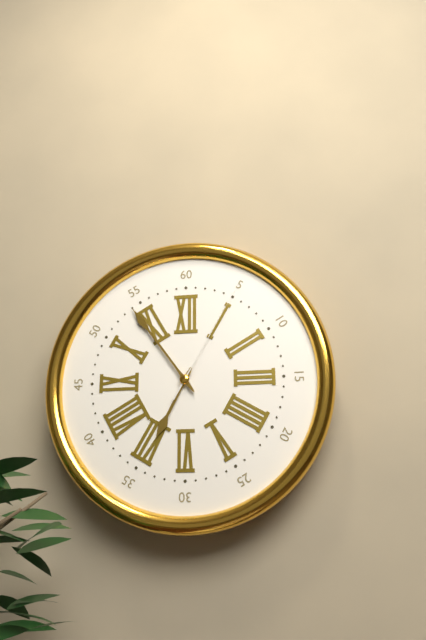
h=6 m=54 s=5
